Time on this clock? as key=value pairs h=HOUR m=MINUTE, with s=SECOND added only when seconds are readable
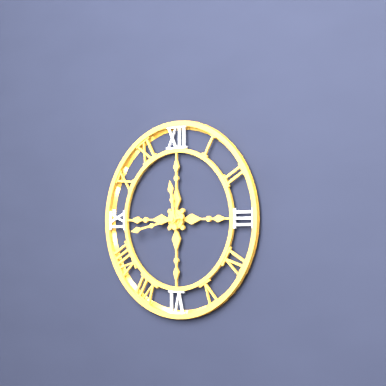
h=11 m=43
